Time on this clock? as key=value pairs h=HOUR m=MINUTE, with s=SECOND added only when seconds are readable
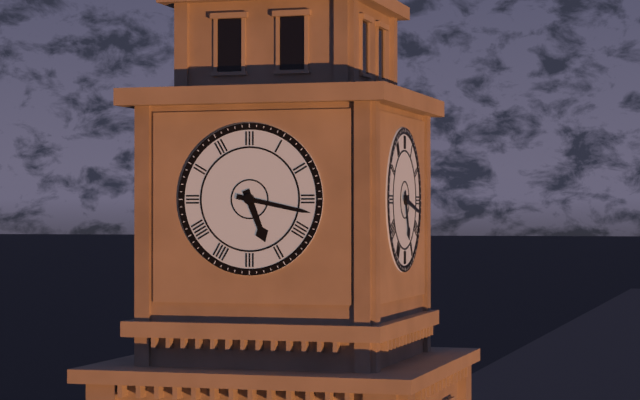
h=5 m=17
